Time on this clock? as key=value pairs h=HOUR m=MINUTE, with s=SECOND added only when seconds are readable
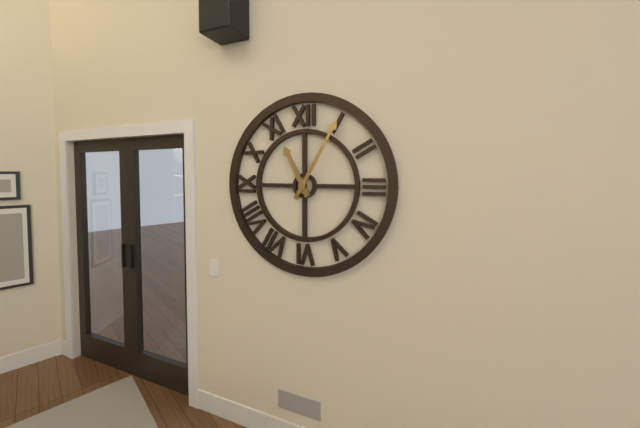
h=11 m=5
